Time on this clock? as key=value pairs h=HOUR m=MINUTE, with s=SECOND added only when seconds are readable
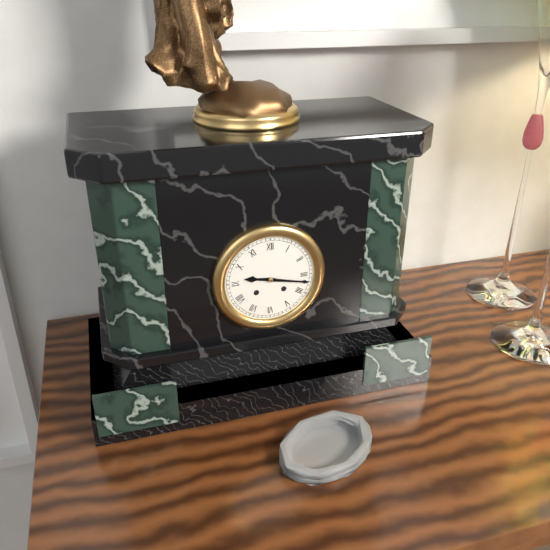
h=9 m=17
